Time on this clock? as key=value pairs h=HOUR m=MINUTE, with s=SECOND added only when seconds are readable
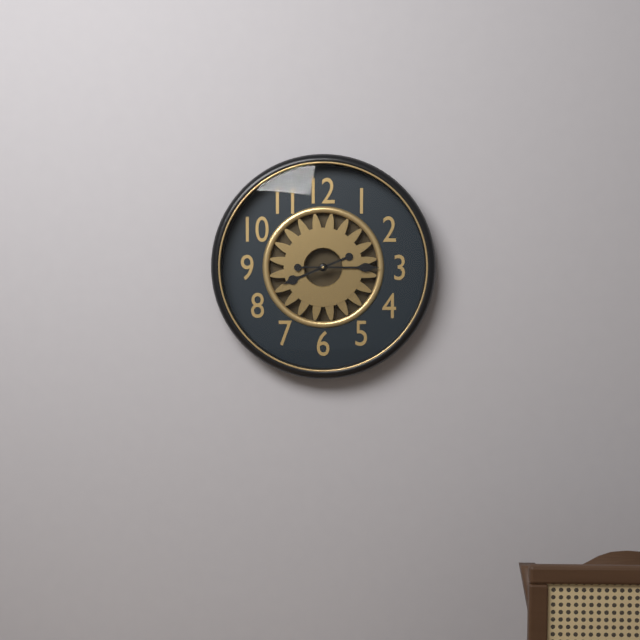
h=8 m=15
